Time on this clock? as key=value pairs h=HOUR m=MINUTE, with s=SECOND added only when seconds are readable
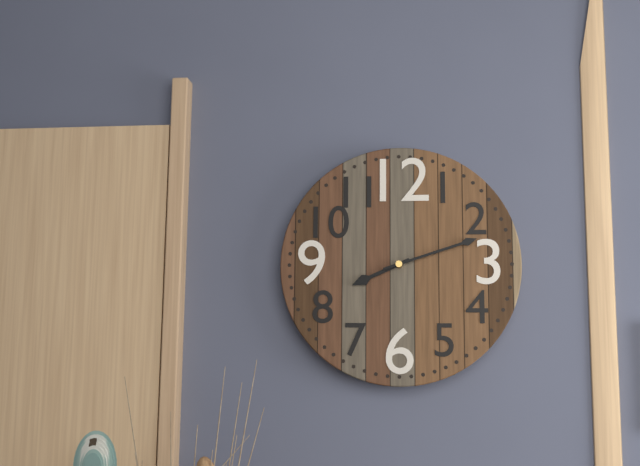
h=8 m=12
